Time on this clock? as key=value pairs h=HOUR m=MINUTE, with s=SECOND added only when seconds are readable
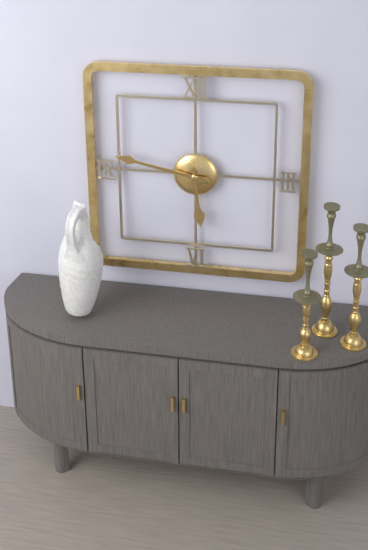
h=5 m=47
